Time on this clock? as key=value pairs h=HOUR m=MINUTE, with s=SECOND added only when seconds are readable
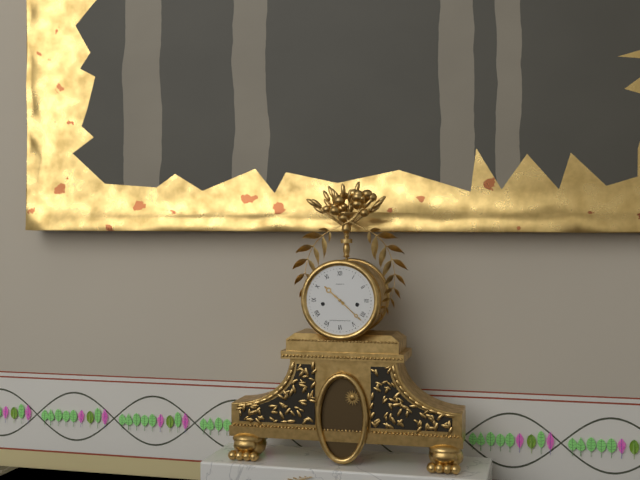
h=10 m=22
